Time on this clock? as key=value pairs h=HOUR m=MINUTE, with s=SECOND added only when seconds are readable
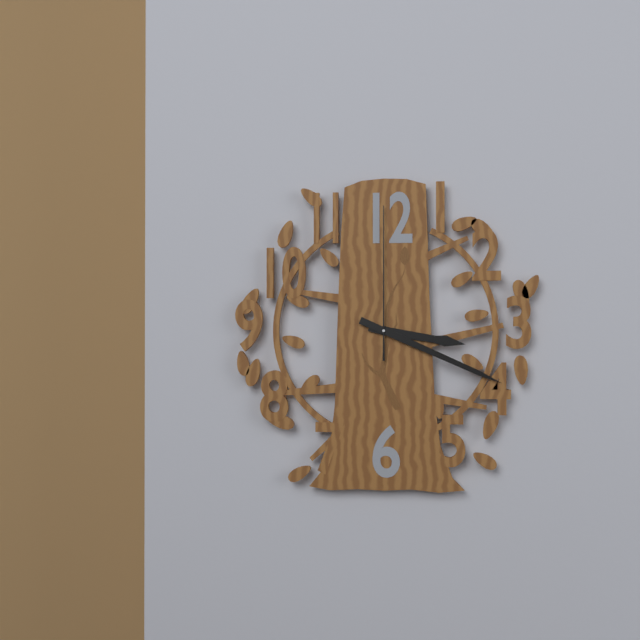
h=3 m=19 s=0
